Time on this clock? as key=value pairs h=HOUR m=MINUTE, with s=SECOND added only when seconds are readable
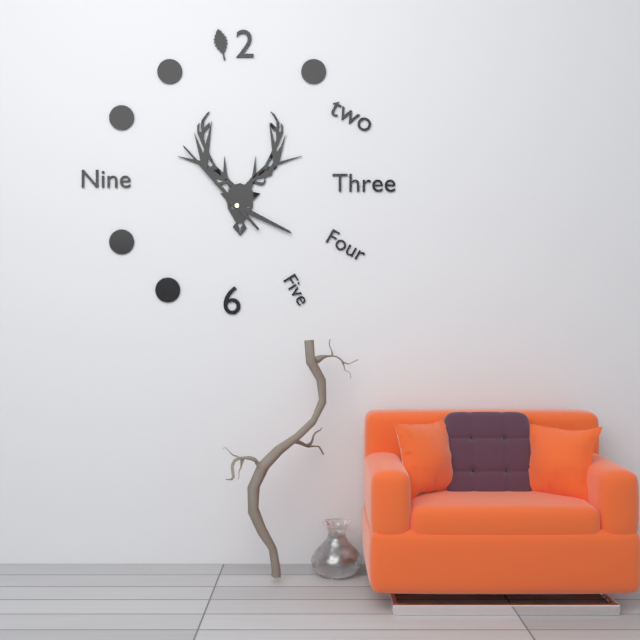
h=3 m=53
